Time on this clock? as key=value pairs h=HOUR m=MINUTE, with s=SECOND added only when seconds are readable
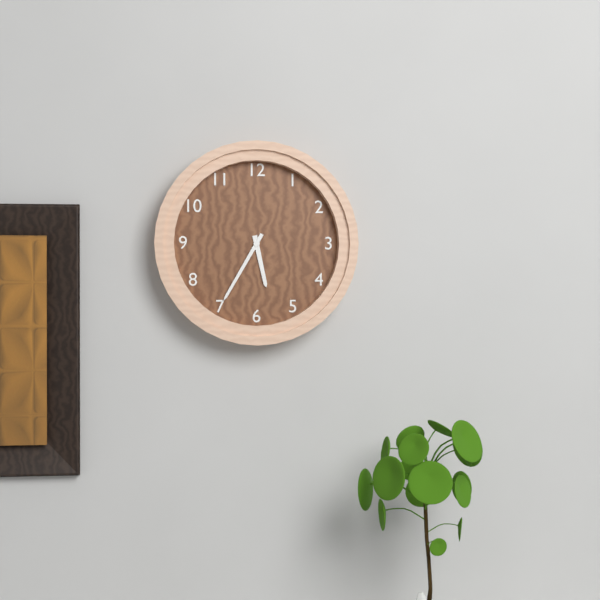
h=5 m=35
